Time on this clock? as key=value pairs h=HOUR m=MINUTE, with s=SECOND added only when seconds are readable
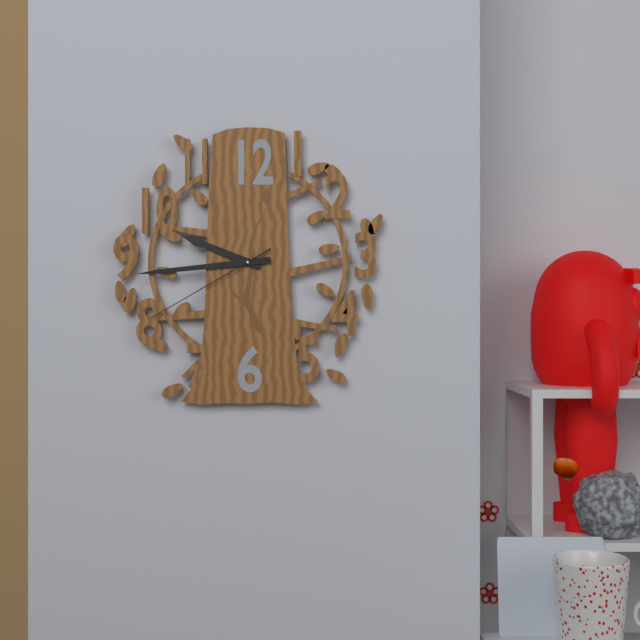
h=9 m=44 s=40
